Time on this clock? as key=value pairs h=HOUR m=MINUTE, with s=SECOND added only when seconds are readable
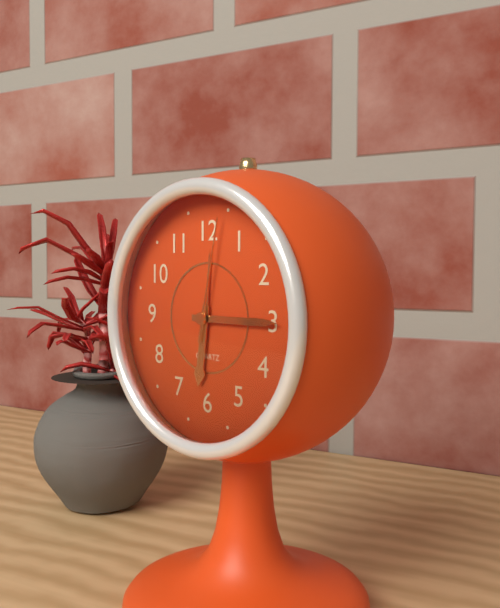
h=6 m=15 s=2
